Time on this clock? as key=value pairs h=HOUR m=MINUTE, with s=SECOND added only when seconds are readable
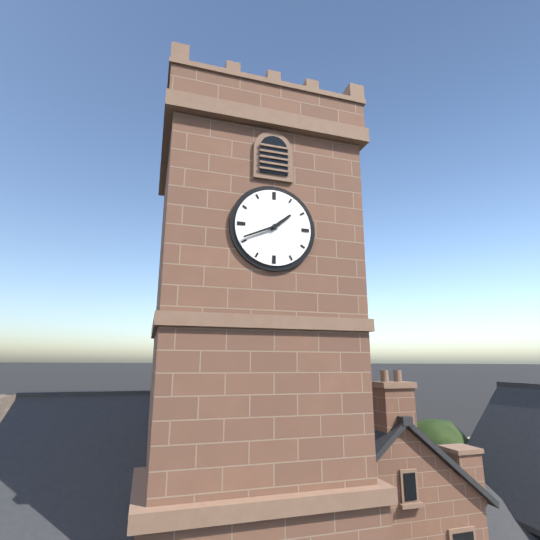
h=1 m=41
